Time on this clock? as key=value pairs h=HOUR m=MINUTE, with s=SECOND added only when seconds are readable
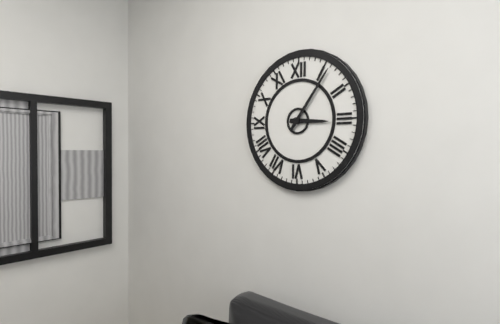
h=3 m=6
